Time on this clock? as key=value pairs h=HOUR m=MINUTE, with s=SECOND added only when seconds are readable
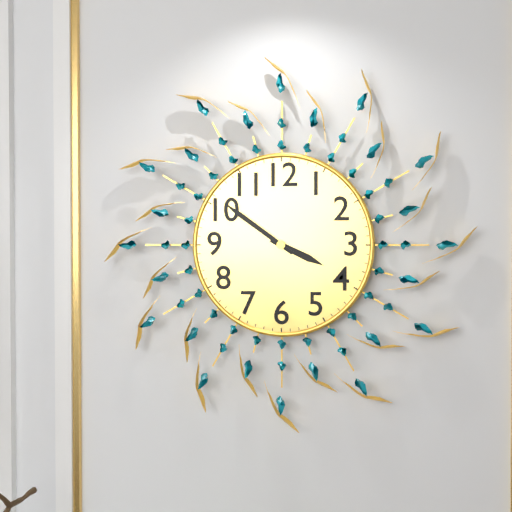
h=3 m=51
